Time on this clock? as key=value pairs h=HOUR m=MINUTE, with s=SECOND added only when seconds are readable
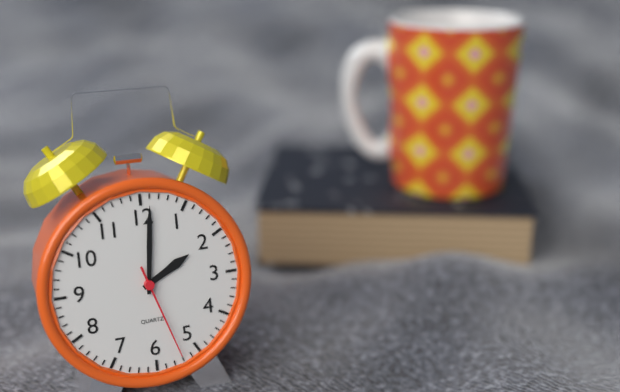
h=2 m=1 s=27
